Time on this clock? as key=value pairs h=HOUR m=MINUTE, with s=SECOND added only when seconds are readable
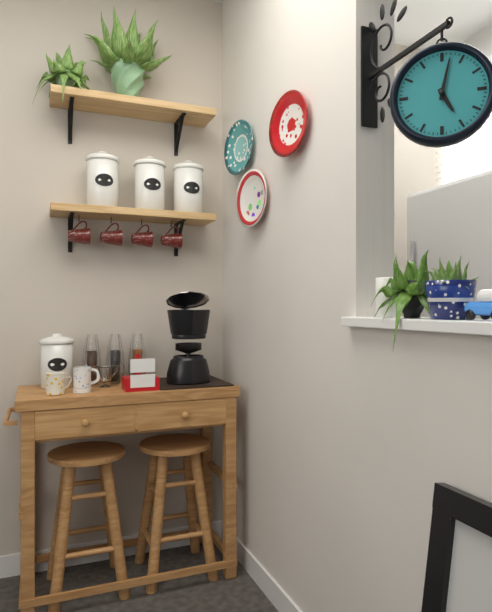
h=5 m=2
